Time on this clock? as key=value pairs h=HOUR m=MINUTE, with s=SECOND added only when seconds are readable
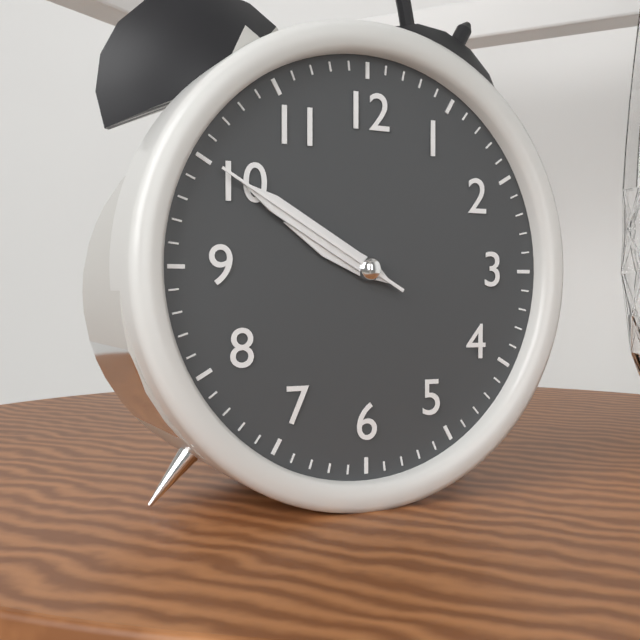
h=9 m=50 s=50
